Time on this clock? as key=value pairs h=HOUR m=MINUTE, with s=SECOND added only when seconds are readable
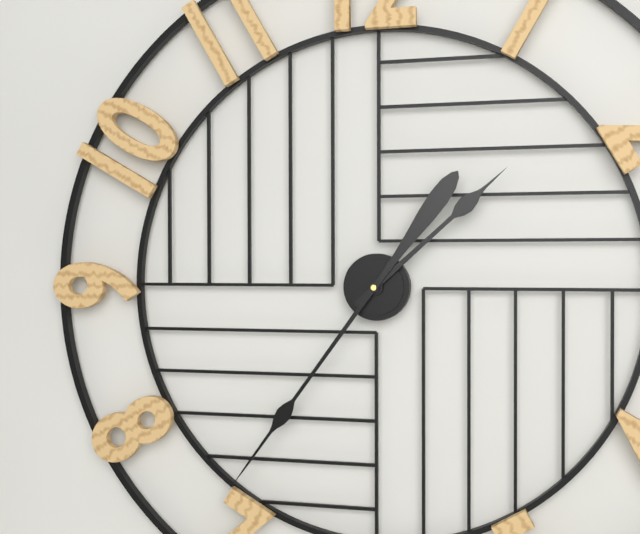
h=1 m=36
